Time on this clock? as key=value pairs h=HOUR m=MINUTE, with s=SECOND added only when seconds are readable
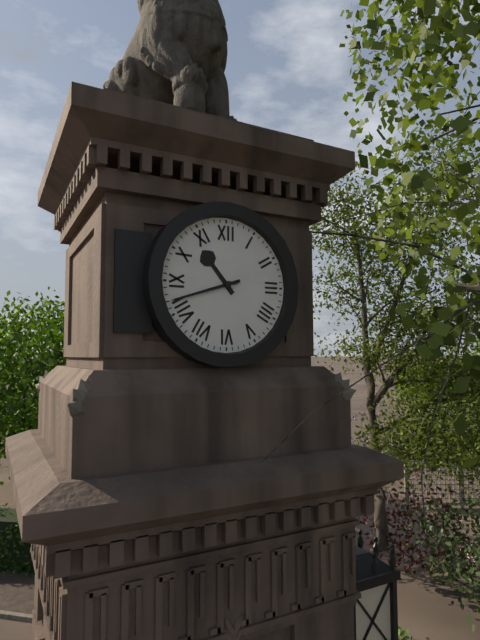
h=10 m=42
